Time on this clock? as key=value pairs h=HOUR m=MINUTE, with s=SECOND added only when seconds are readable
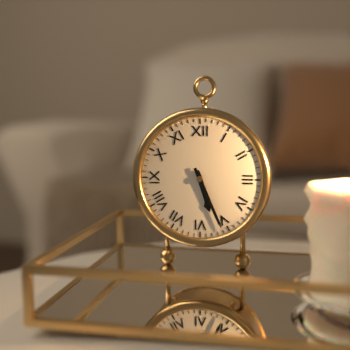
h=5 m=26
